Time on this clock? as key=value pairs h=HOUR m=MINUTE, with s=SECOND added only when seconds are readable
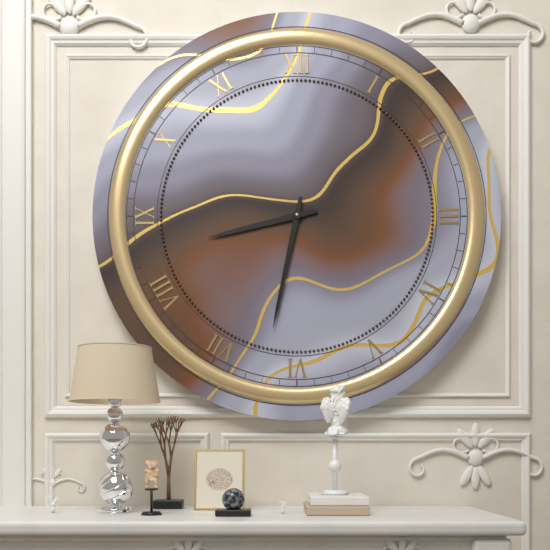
h=8 m=32
